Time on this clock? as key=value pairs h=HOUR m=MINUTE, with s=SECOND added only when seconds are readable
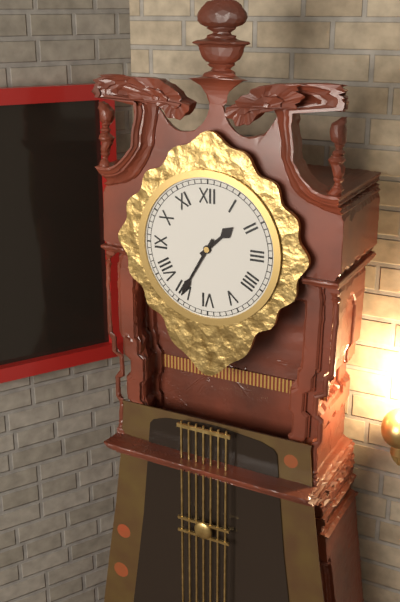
h=1 m=35
